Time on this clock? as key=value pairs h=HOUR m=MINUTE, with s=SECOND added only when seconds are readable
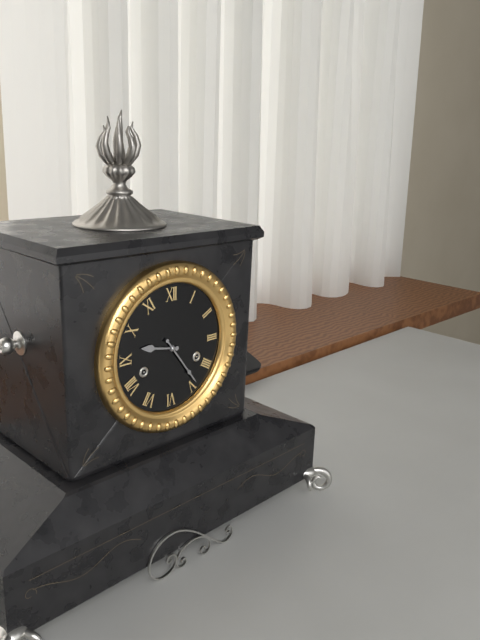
h=9 m=24
